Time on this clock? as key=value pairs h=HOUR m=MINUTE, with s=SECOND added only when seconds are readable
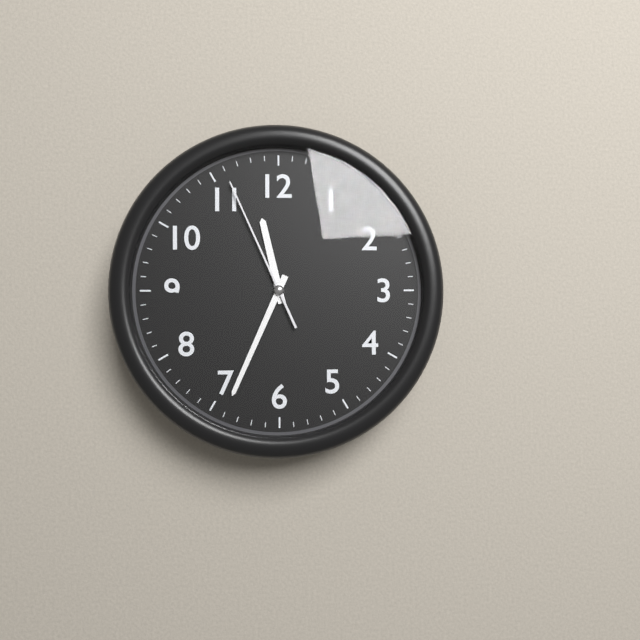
h=11 m=34 s=56
